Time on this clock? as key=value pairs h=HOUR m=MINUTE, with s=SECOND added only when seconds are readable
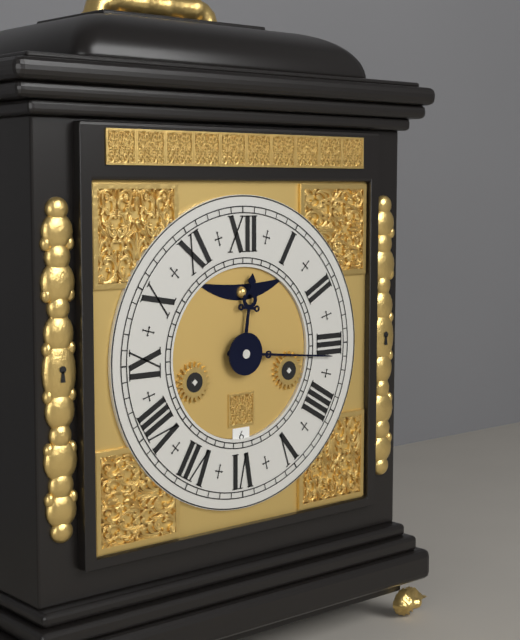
h=12 m=16
